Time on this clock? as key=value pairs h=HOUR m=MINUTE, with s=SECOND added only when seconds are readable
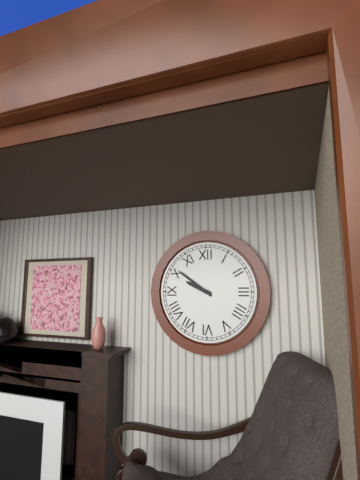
h=9 m=51
